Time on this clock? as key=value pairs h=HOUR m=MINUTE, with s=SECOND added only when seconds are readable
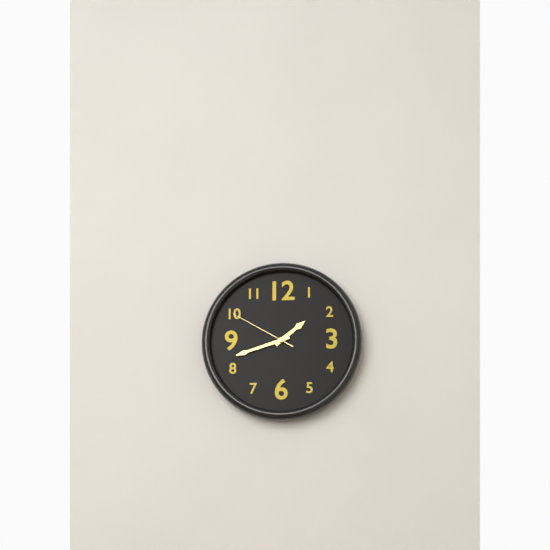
h=1 m=42 s=50
